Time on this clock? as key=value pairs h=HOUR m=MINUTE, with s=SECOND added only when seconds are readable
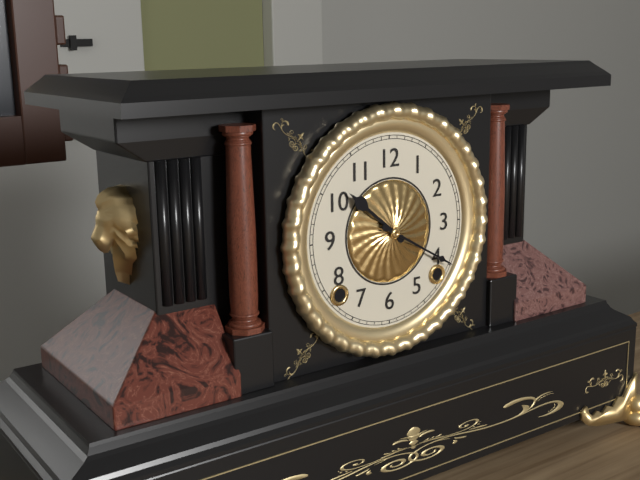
h=10 m=20
